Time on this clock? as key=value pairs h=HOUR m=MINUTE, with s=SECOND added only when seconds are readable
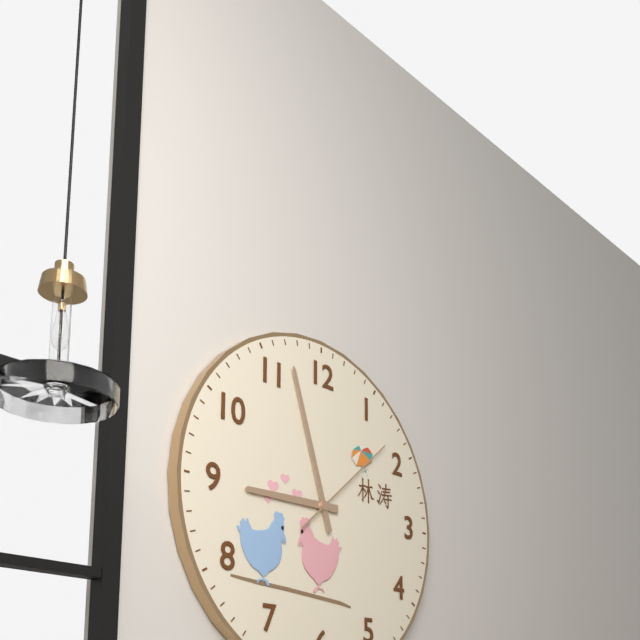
h=8 m=57 s=8
